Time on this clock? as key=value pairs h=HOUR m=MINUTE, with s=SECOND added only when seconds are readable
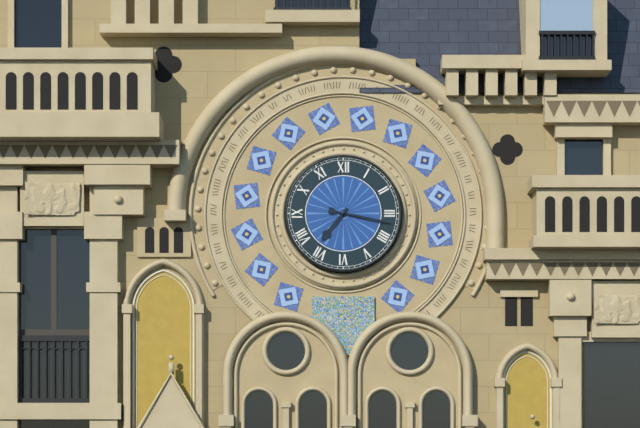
h=7 m=17
